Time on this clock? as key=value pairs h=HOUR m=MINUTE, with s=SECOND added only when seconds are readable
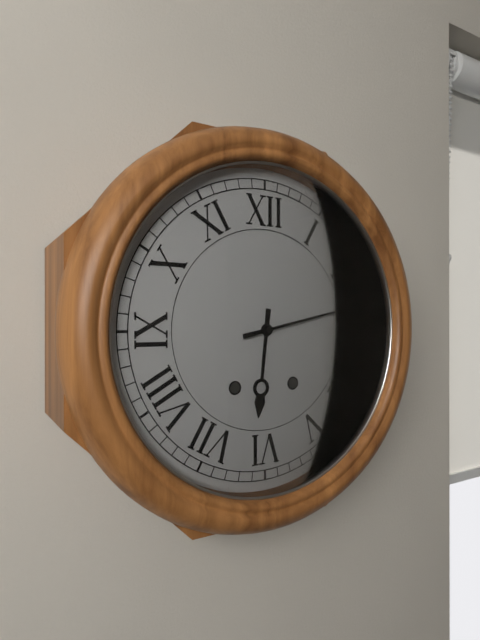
h=6 m=13
